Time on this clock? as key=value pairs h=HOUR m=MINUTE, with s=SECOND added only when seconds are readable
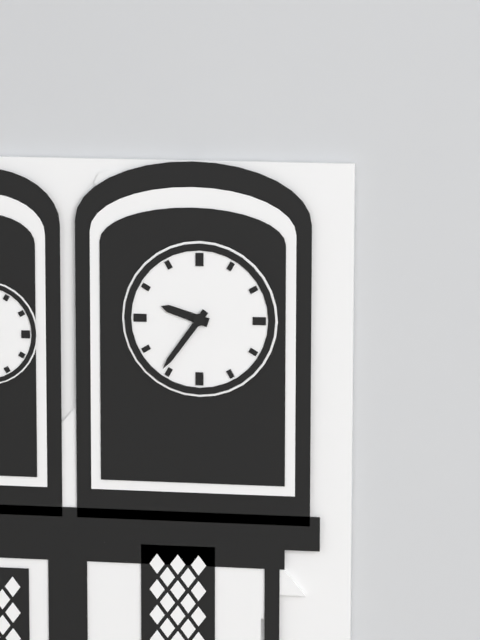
h=9 m=36
